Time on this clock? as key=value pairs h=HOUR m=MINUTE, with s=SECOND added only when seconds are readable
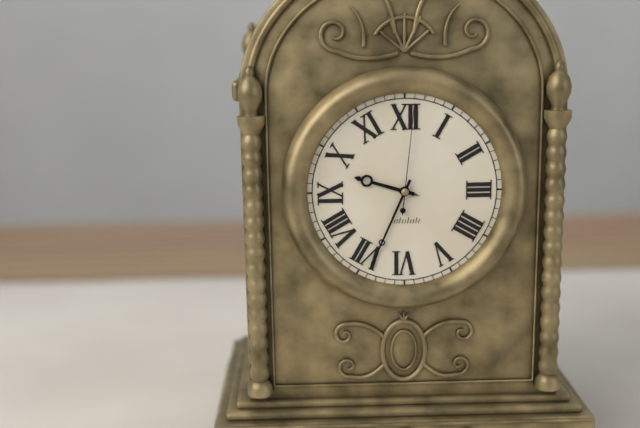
h=9 m=34 s=1
